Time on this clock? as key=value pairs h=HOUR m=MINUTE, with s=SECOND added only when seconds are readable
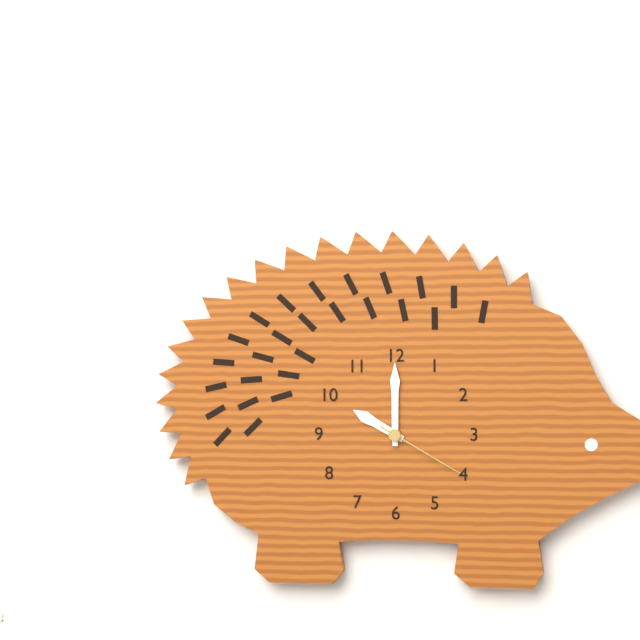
h=10 m=0 s=20
